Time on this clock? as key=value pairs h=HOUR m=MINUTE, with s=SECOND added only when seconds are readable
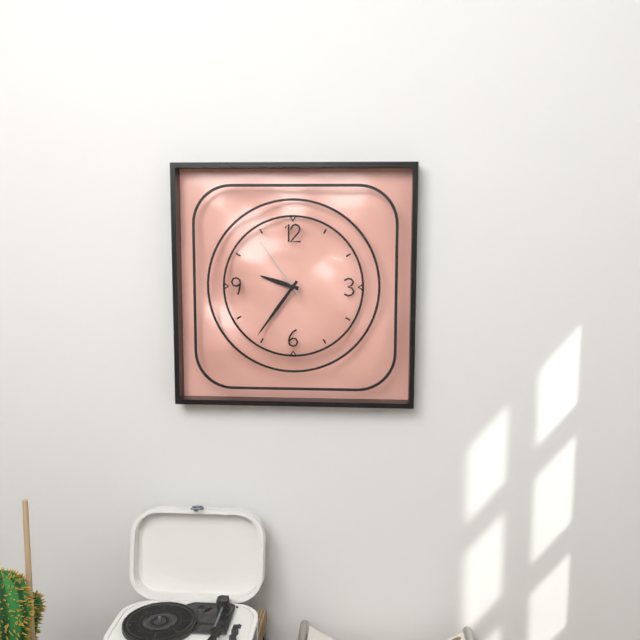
h=9 m=36 s=54
